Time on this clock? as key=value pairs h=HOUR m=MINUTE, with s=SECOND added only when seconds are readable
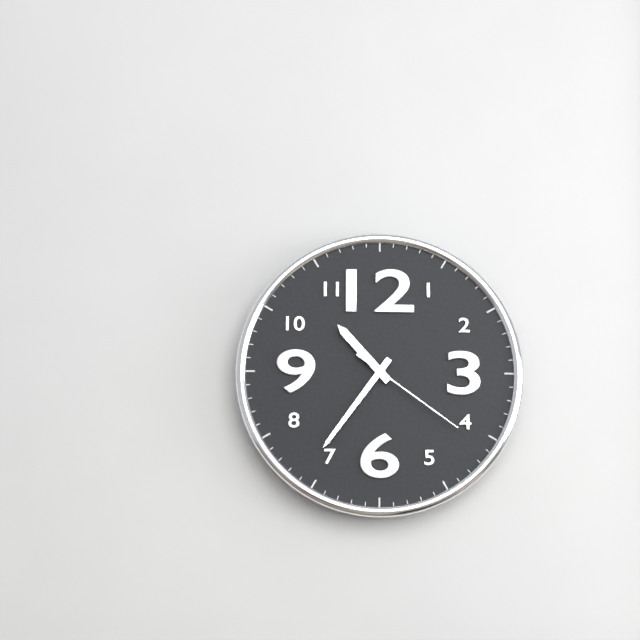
h=10 m=36 s=21
